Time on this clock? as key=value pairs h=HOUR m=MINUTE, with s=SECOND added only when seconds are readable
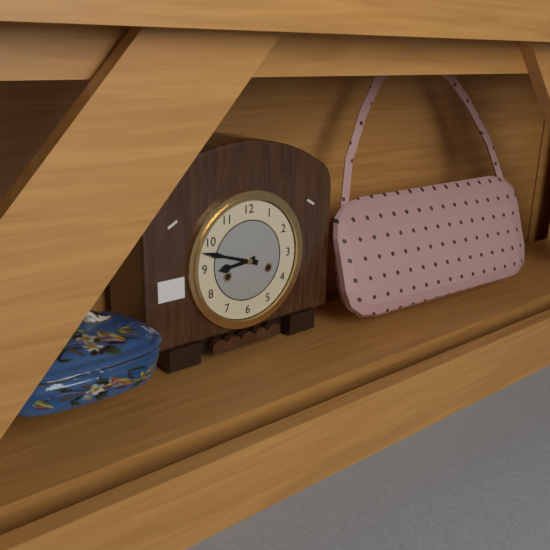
h=8 m=48
